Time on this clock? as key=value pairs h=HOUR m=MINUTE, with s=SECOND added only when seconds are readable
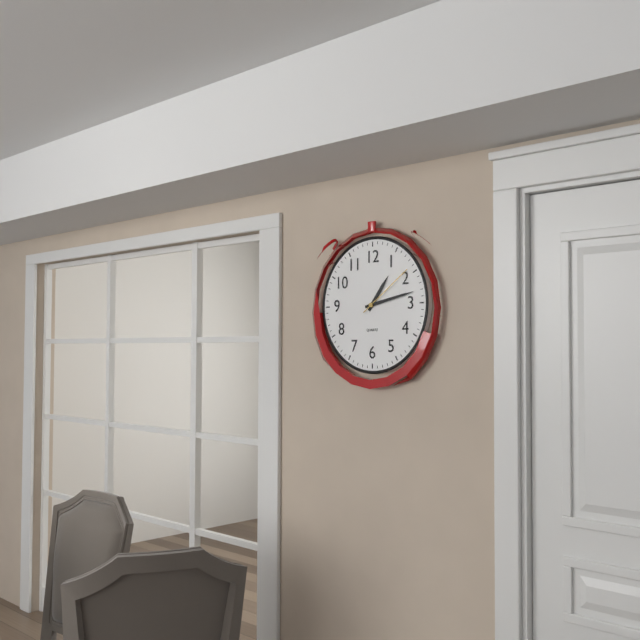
h=1 m=13 s=9
